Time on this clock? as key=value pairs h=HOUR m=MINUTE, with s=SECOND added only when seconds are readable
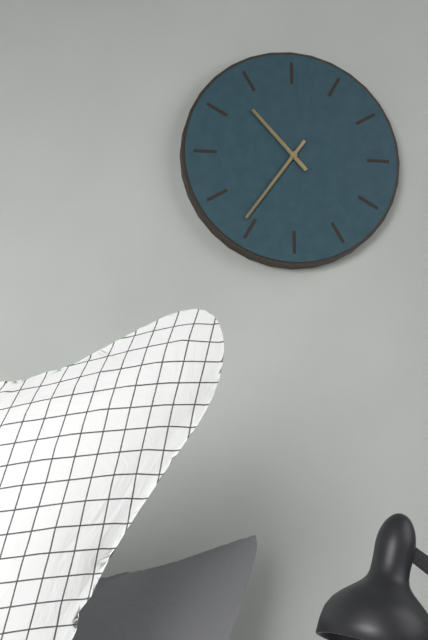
h=10 m=36
